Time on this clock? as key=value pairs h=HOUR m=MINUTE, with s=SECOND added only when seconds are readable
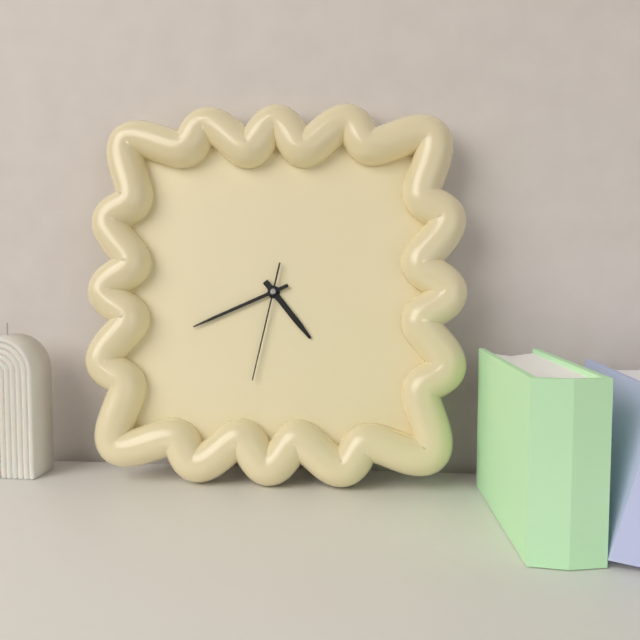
h=4 m=41 s=32
